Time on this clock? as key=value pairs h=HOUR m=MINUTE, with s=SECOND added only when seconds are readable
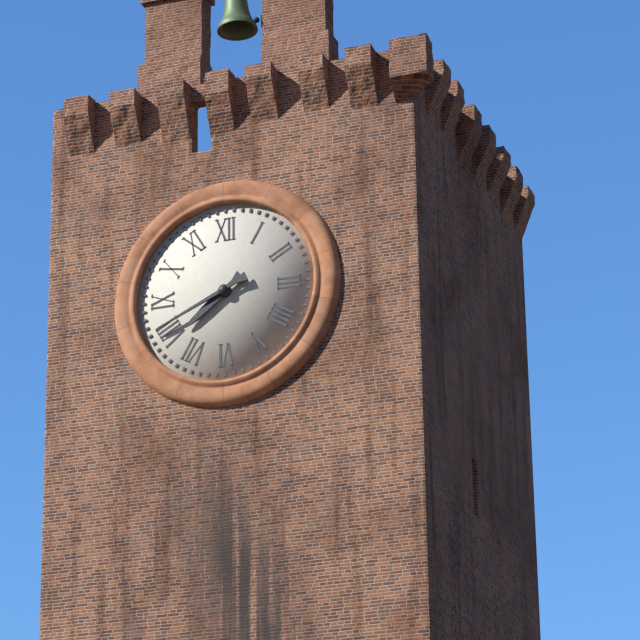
h=7 m=41
